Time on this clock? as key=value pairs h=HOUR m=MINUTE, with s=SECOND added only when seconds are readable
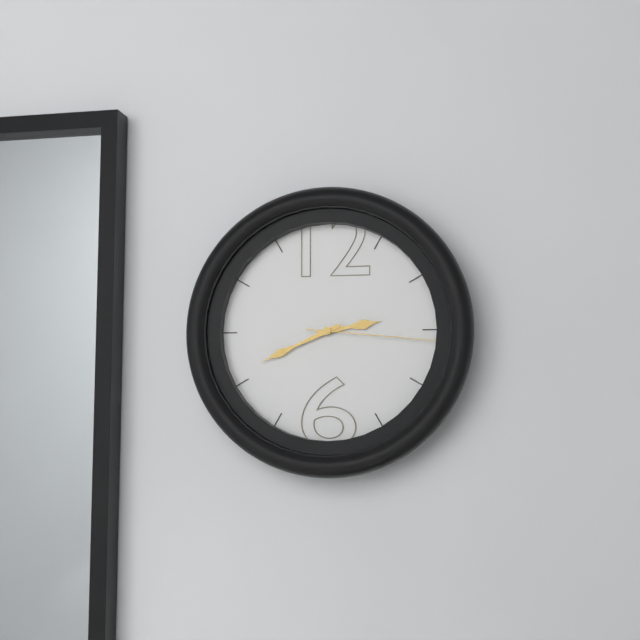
h=2 m=41 s=16
